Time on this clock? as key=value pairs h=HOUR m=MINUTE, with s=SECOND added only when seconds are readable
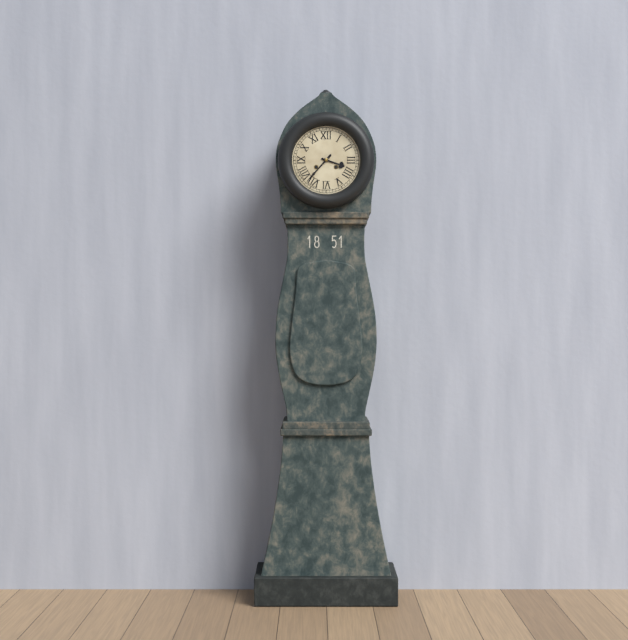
h=3 m=37
